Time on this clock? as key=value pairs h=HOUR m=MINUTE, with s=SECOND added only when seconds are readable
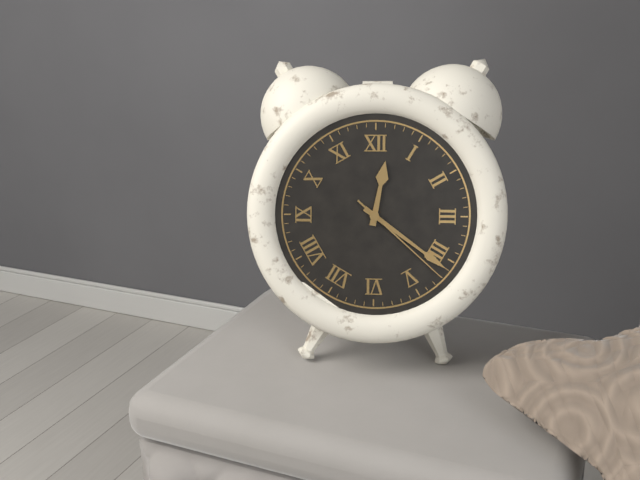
h=12 m=21 s=22
